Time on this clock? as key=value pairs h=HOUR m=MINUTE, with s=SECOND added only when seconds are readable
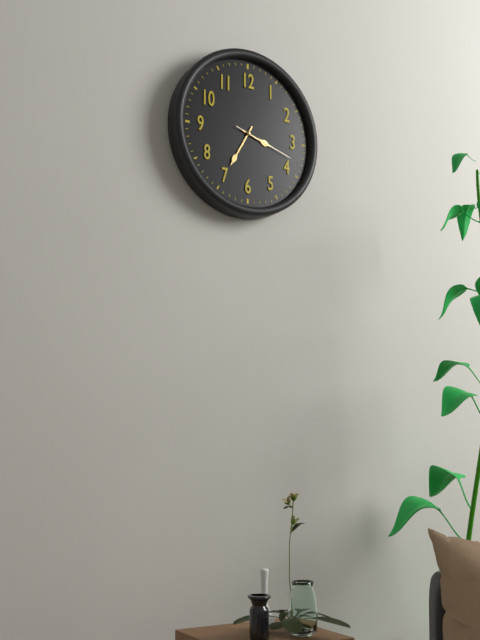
h=3 m=35 s=18
